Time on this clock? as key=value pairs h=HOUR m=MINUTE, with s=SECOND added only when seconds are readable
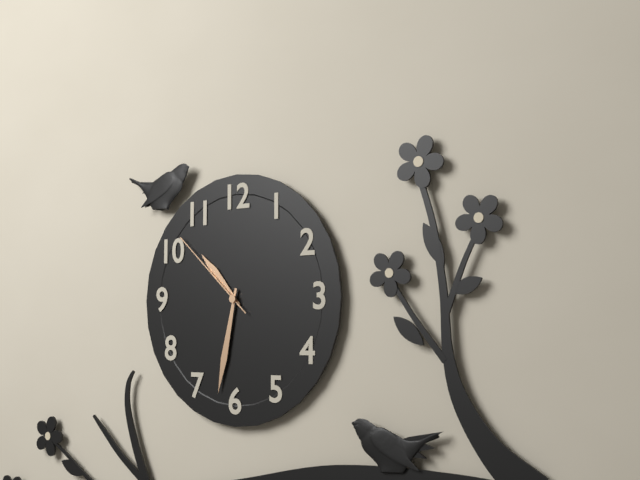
h=10 m=32 s=52
